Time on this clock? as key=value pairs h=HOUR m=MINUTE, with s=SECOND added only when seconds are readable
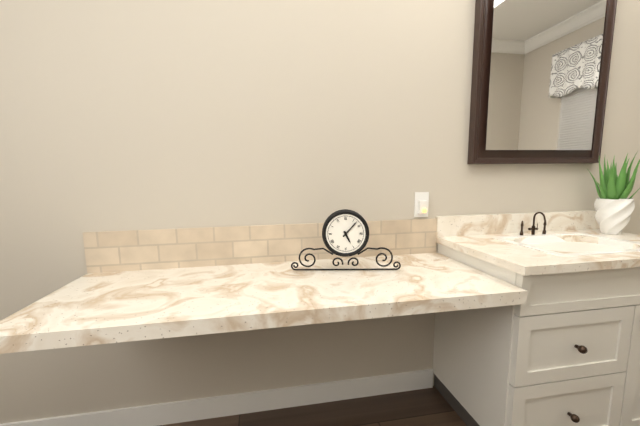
h=5 m=7
